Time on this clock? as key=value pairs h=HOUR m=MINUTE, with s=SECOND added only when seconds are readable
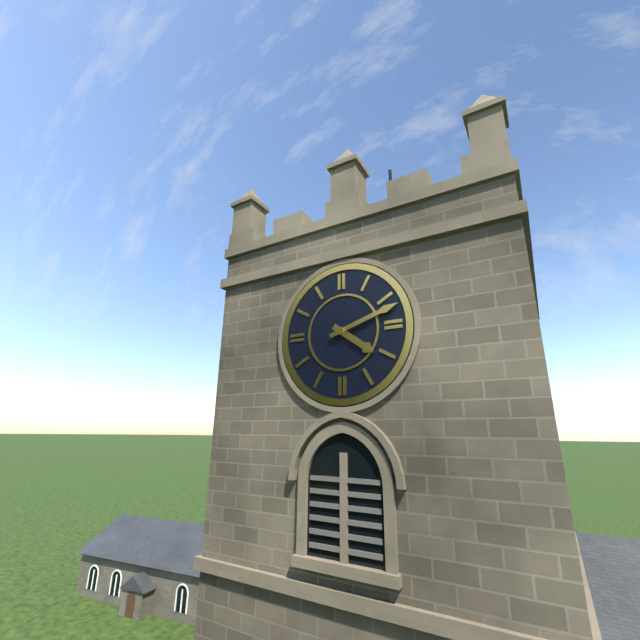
h=4 m=12
